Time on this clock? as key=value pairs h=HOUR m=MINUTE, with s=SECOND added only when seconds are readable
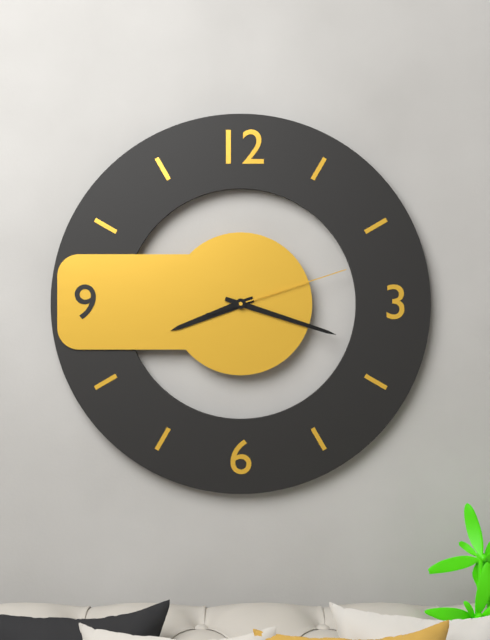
h=8 m=18 s=12
